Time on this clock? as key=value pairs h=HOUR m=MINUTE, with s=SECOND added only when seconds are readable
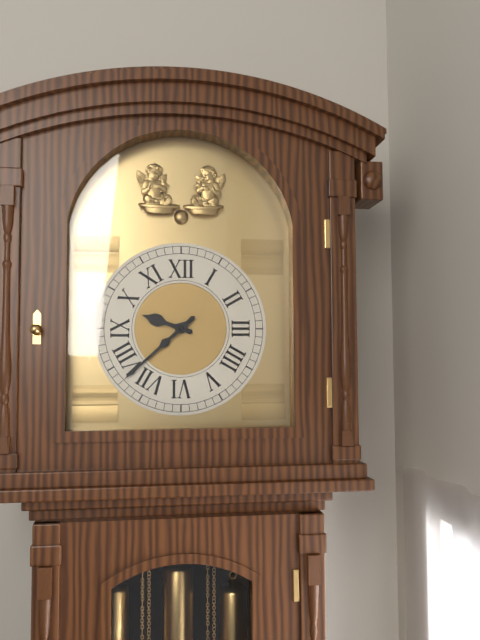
h=9 m=38
